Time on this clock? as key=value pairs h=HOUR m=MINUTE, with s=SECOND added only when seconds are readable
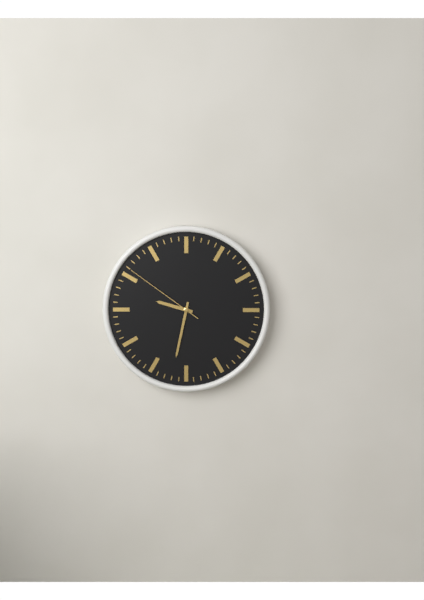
h=9 m=32 s=51
